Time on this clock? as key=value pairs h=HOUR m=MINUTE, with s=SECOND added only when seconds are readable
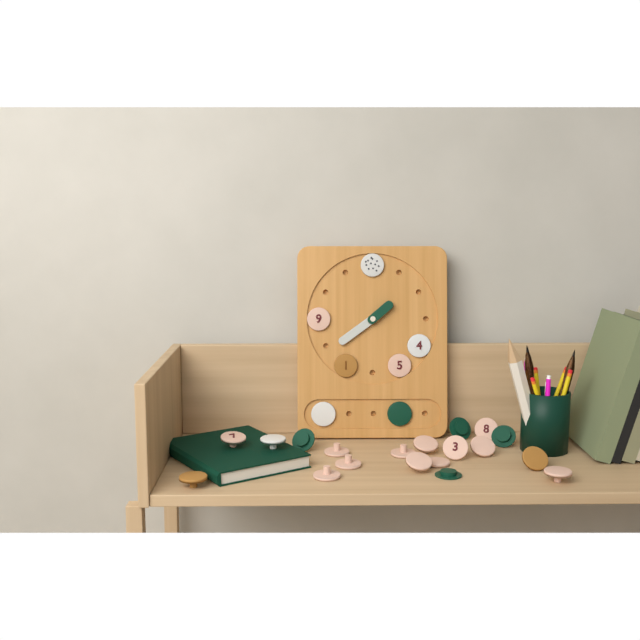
h=1 m=39
